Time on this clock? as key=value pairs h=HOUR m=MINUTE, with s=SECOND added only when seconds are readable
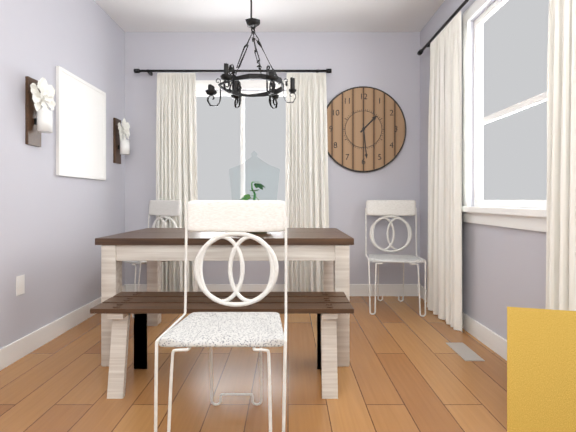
h=1 m=29
